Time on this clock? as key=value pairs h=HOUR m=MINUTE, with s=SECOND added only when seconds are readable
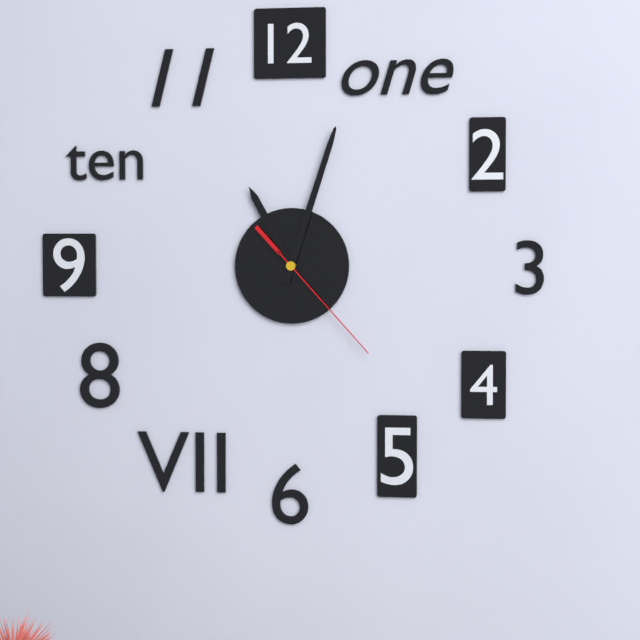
h=11 m=3 s=23
